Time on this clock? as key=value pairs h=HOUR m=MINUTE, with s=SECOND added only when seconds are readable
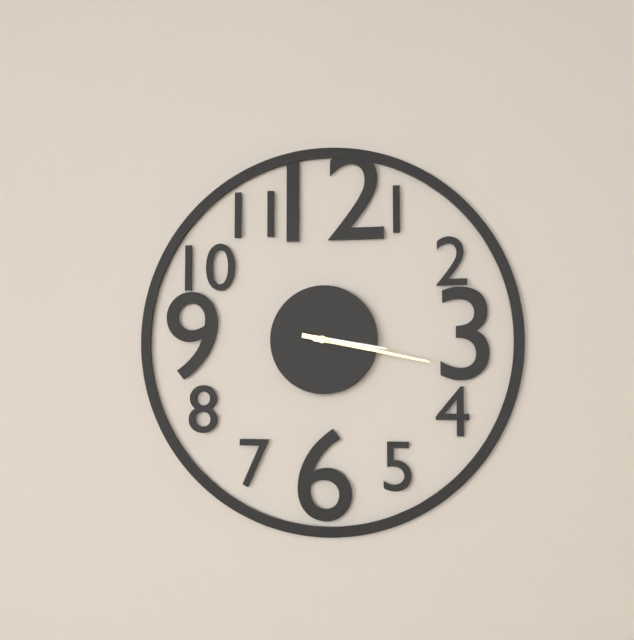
h=3 m=17
